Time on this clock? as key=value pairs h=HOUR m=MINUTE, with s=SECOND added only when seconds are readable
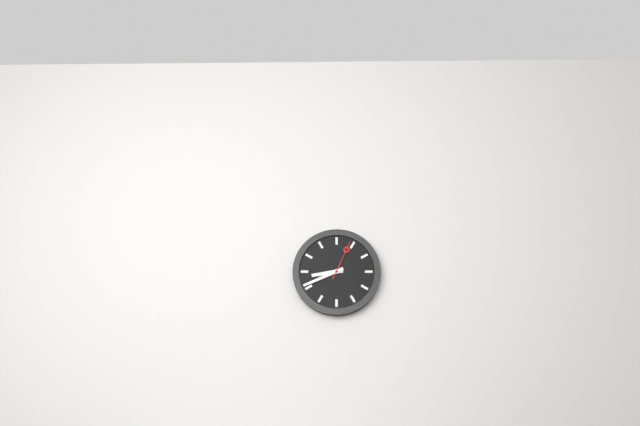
h=8 m=41
